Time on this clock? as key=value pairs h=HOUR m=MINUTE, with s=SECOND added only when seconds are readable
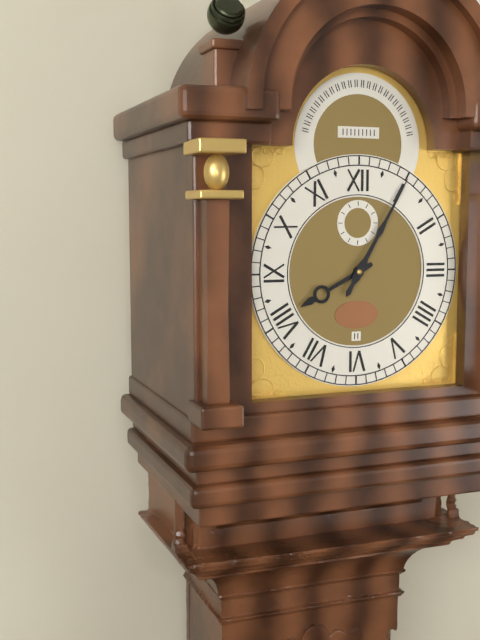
h=8 m=5
